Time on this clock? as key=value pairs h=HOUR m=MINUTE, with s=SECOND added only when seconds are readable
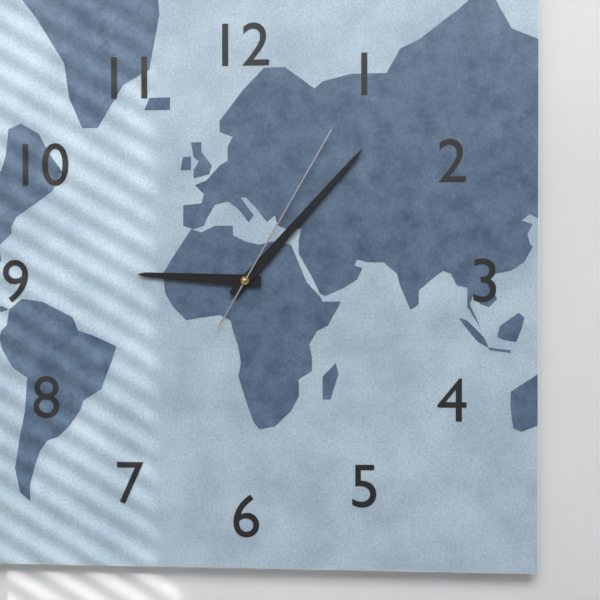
h=9 m=7 s=5
